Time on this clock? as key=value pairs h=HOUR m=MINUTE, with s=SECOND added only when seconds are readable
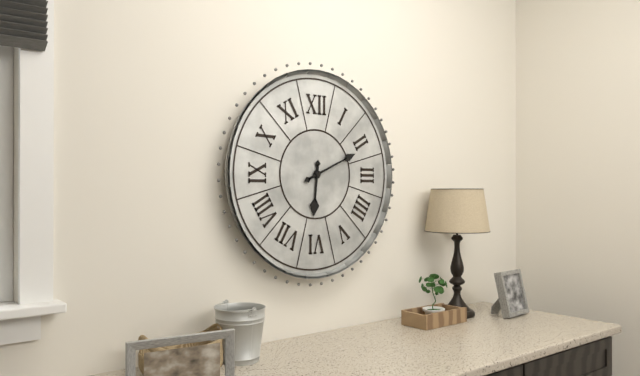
h=6 m=11
